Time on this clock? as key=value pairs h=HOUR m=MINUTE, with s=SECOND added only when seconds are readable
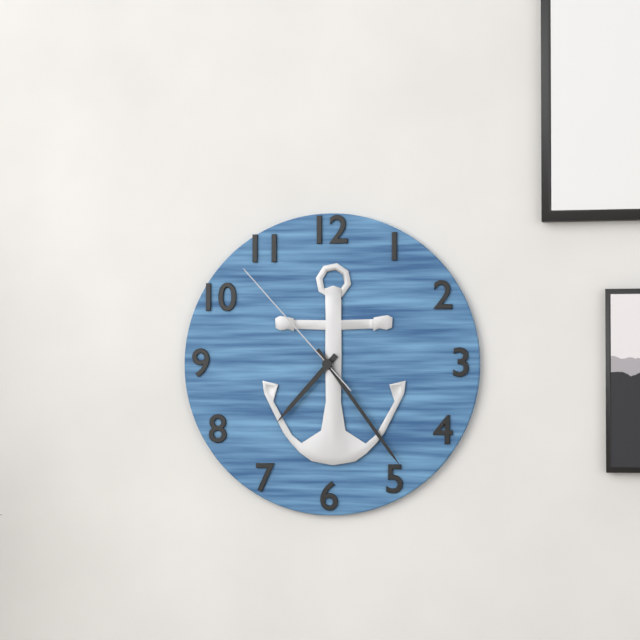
h=7 m=24 s=53
